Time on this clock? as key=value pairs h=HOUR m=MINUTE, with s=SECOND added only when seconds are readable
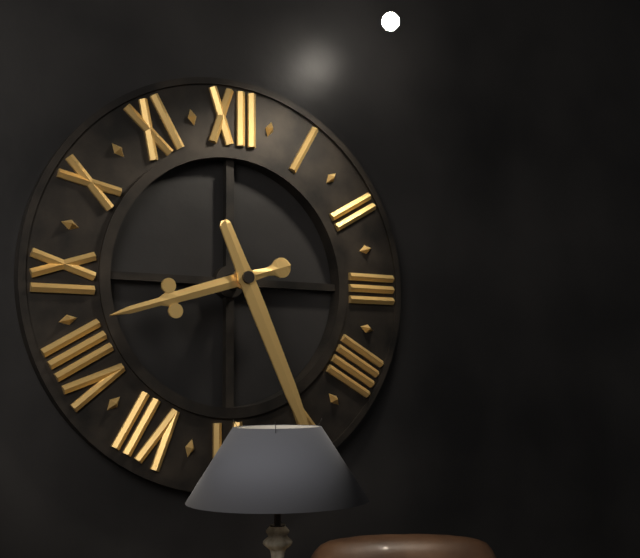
h=8 m=26
